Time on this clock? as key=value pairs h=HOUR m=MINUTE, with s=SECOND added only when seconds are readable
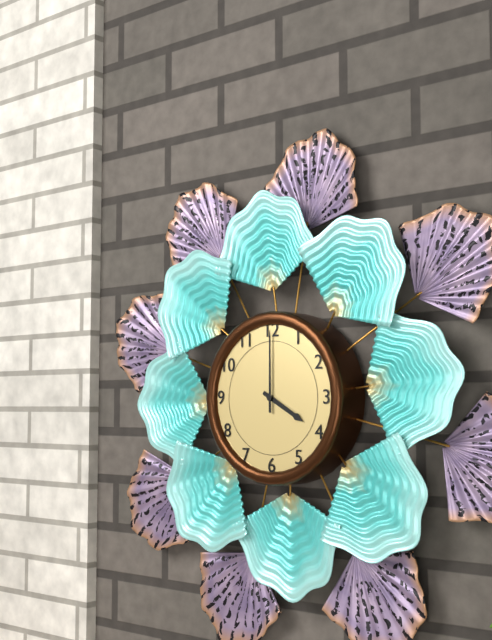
h=4 m=0
